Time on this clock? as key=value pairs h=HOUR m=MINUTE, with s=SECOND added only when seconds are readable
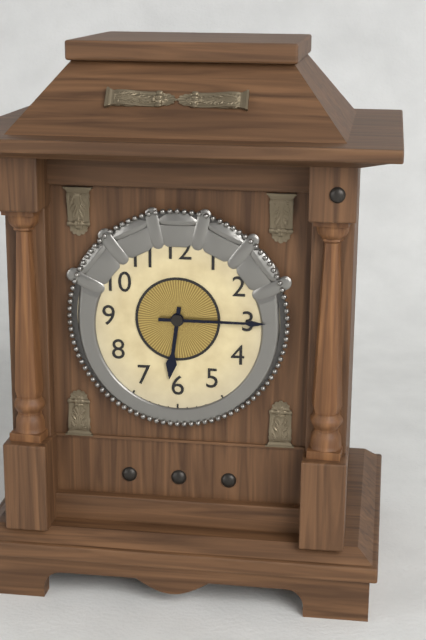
h=6 m=15
